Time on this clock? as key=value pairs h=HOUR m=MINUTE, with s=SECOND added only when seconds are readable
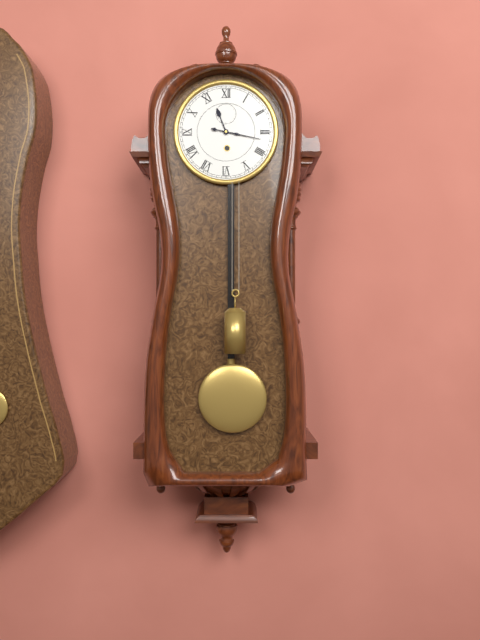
h=11 m=17
